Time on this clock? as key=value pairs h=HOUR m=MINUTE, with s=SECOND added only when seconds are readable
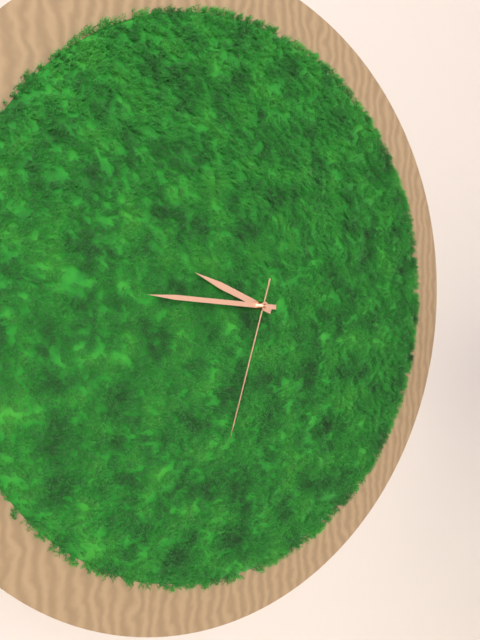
h=9 m=46 s=33
